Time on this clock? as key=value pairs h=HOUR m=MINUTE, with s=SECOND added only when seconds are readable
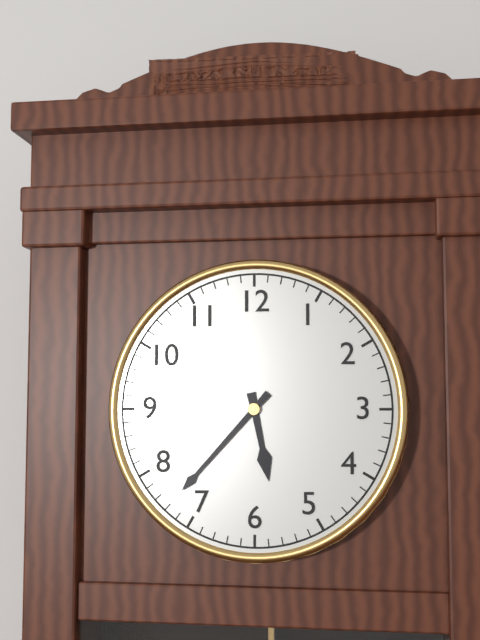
h=5 m=37
